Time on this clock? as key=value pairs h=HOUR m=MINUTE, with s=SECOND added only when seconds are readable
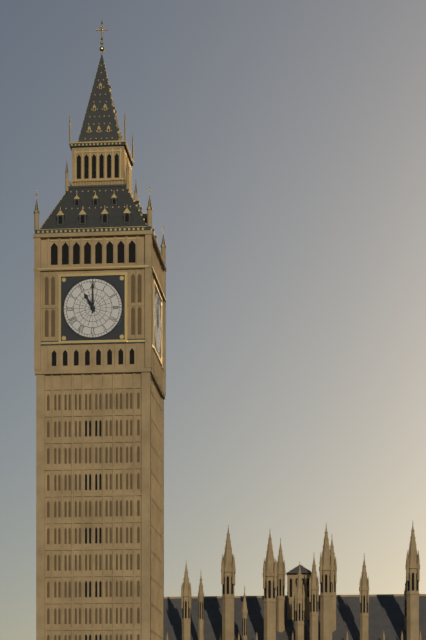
h=11 m=0
